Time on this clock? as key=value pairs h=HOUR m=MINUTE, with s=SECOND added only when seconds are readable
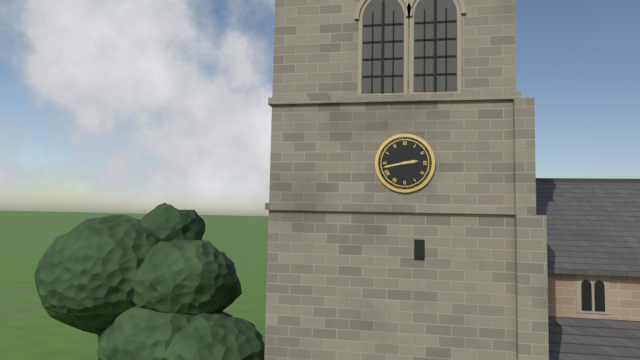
h=2 m=43
